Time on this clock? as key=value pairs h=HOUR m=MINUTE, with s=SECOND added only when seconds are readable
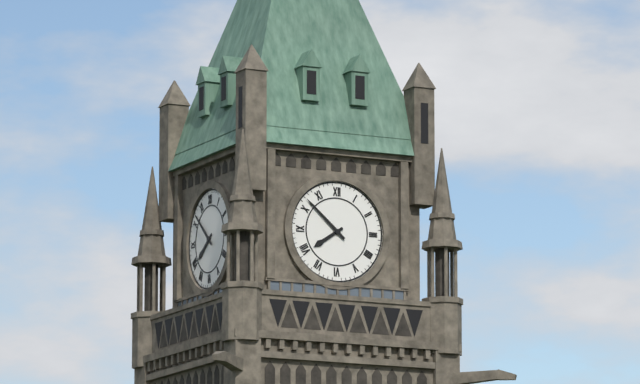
h=7 m=52
